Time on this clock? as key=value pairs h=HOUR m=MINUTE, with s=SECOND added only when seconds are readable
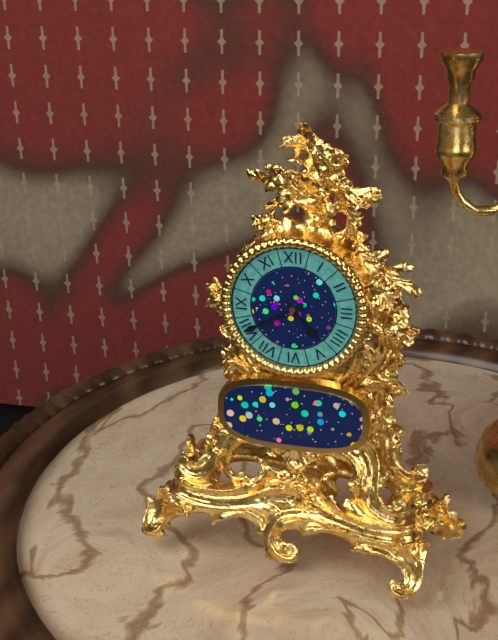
h=4 m=40
